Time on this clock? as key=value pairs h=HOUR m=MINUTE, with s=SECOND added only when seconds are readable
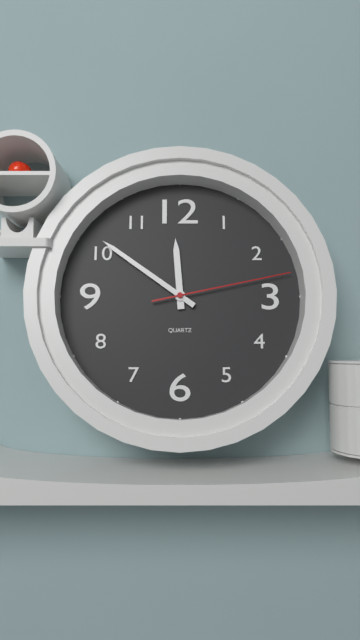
h=11 m=51 s=13
